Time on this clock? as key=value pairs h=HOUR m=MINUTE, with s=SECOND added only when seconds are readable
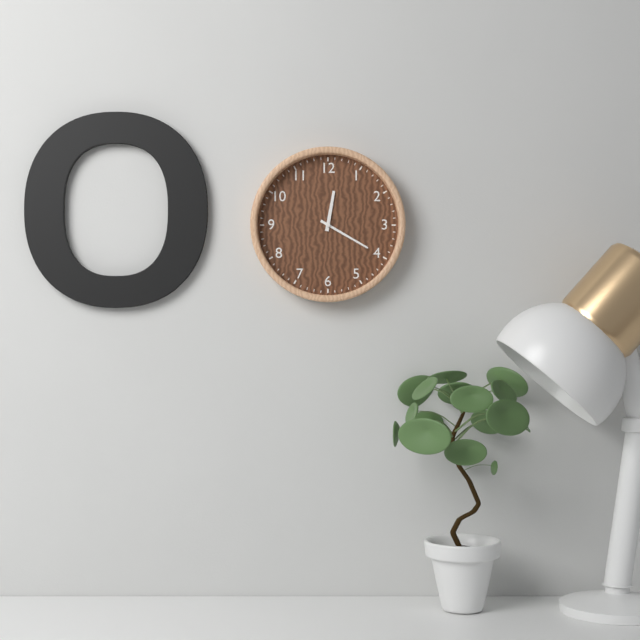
h=12 m=20
